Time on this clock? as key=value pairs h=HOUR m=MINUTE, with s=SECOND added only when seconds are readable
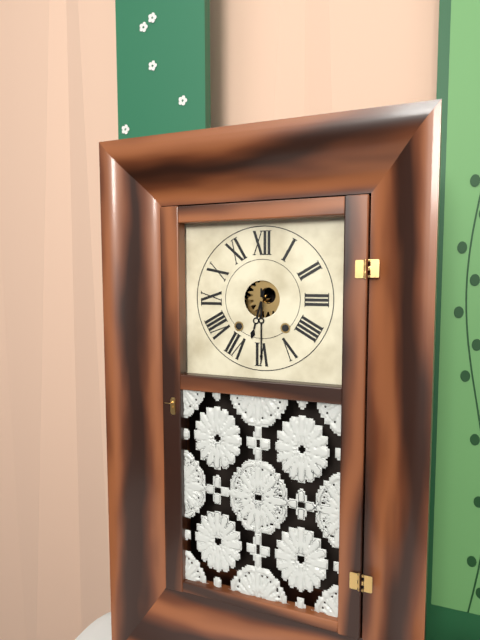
h=6 m=30
